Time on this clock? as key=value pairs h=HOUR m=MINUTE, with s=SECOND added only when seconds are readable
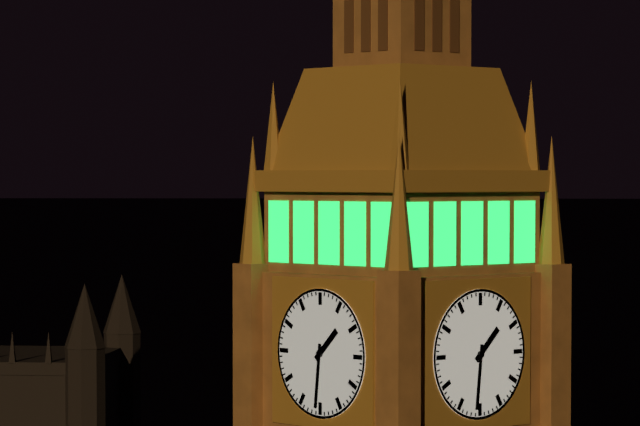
h=1 m=31
